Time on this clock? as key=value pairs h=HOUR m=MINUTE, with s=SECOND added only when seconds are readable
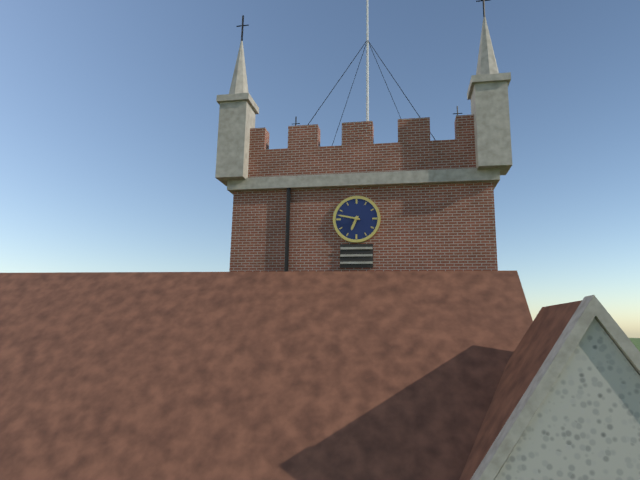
h=6 m=47
